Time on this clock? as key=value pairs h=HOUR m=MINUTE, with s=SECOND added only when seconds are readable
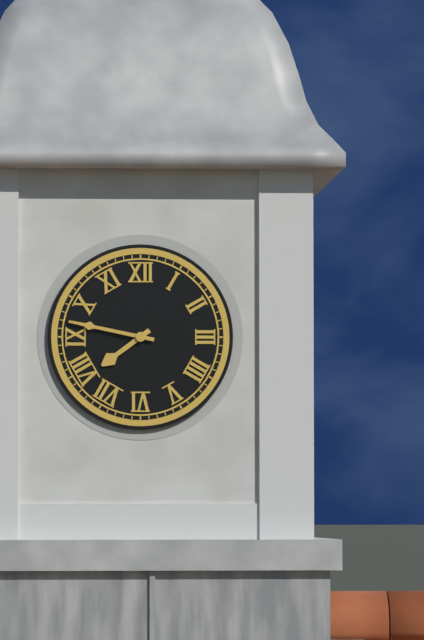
h=7 m=47
